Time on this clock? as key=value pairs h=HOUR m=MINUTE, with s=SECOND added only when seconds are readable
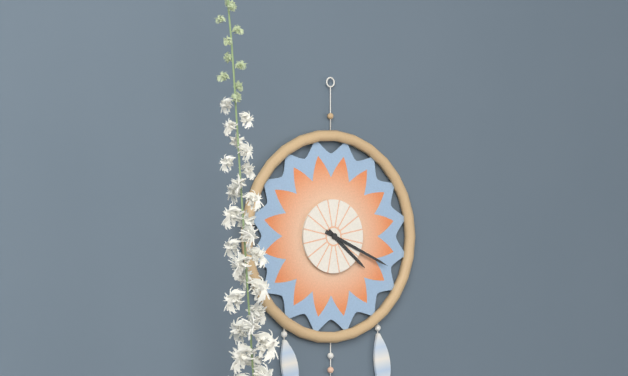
h=4 m=19
